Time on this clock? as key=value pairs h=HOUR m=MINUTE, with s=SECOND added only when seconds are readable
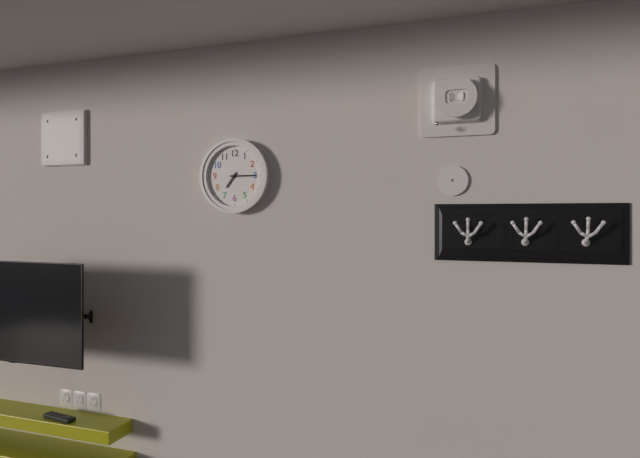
h=7 m=15
